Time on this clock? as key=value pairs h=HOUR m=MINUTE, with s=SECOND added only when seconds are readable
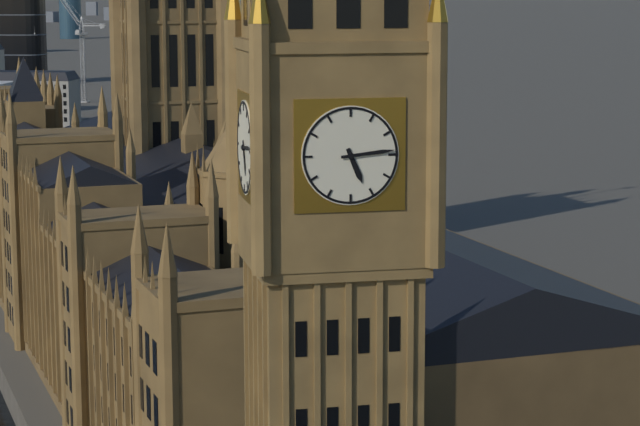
h=5 m=14
